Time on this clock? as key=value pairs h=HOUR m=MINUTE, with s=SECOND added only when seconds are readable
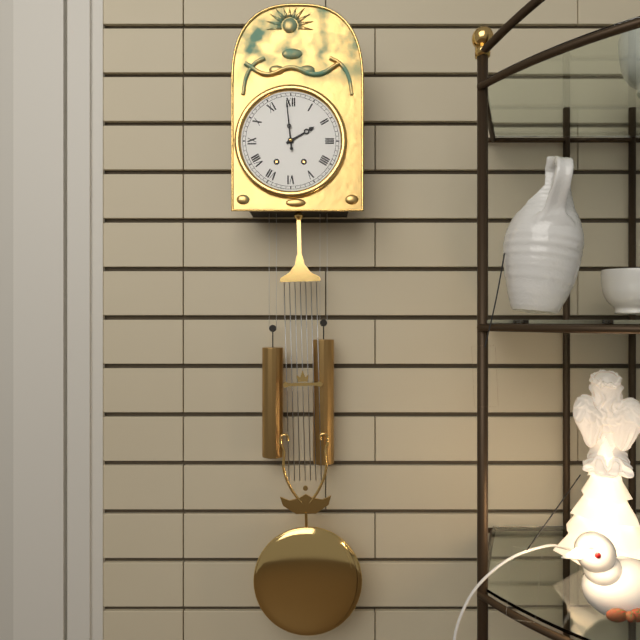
h=1 m=59
